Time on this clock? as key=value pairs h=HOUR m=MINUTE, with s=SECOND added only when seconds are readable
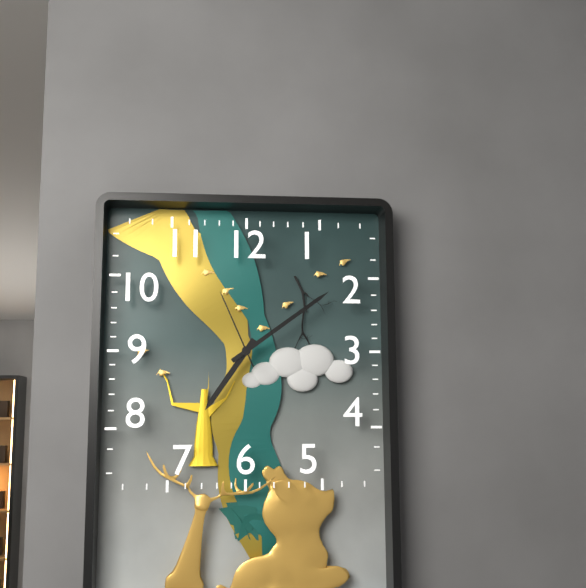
h=7 m=9 s=56
